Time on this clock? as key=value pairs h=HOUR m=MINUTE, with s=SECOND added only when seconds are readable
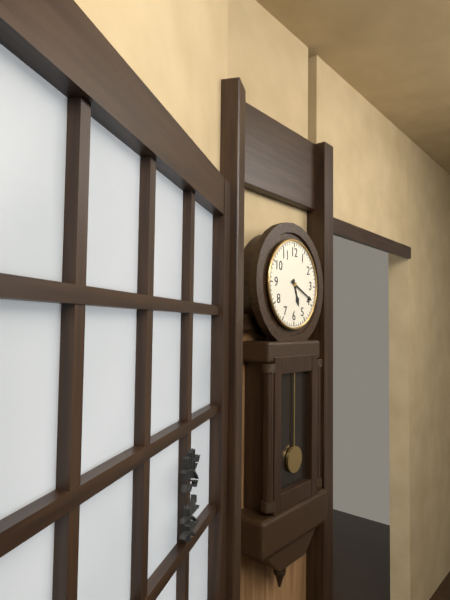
h=5 m=19
